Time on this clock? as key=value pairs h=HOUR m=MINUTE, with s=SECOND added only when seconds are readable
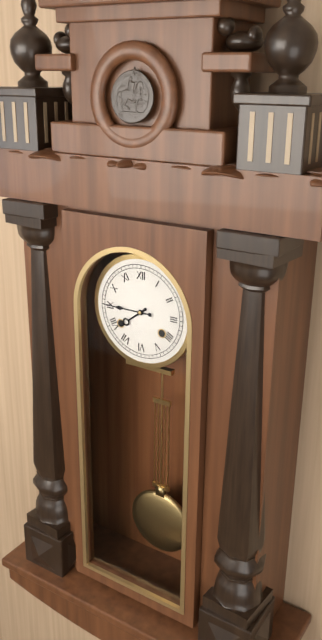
h=7 m=45
